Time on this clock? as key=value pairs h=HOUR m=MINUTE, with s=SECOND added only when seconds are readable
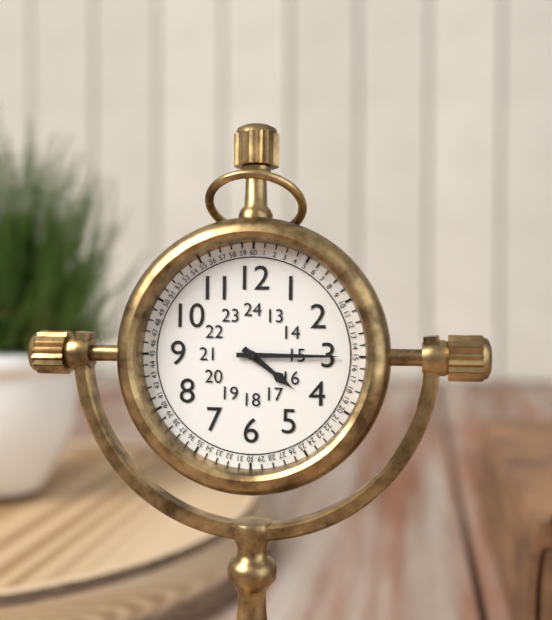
h=4 m=15
